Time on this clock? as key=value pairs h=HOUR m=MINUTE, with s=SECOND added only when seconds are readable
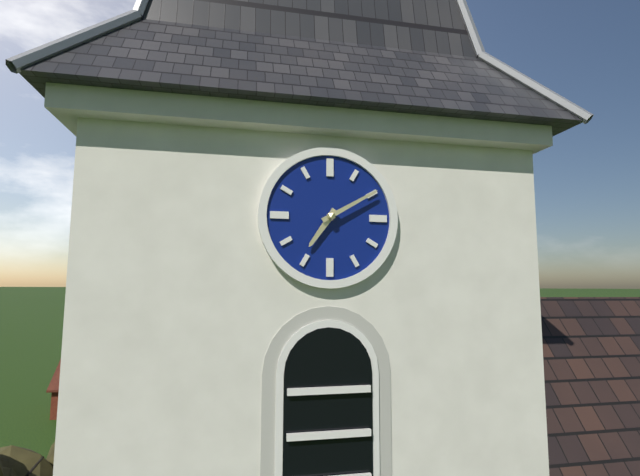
h=7 m=10
